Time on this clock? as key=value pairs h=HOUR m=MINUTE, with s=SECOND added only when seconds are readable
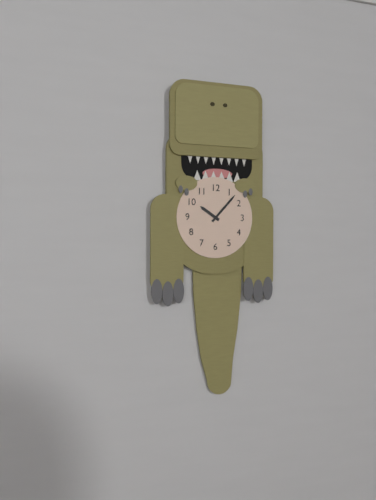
h=10 m=7
